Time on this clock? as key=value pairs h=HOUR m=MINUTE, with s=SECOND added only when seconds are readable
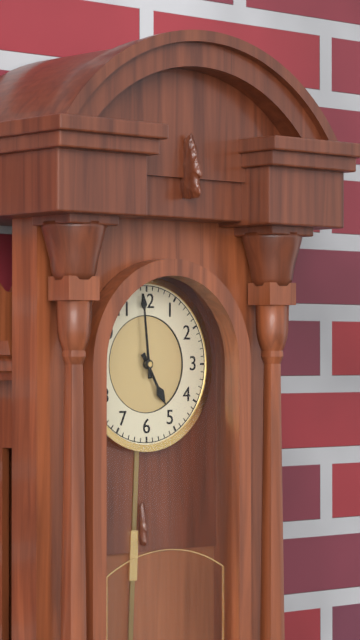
h=4 m=59
